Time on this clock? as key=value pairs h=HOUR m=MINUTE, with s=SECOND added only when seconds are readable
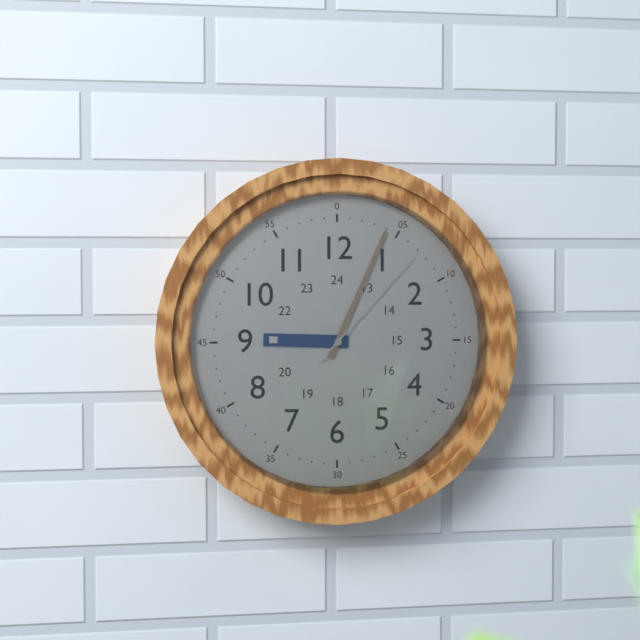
h=9 m=4 s=7
